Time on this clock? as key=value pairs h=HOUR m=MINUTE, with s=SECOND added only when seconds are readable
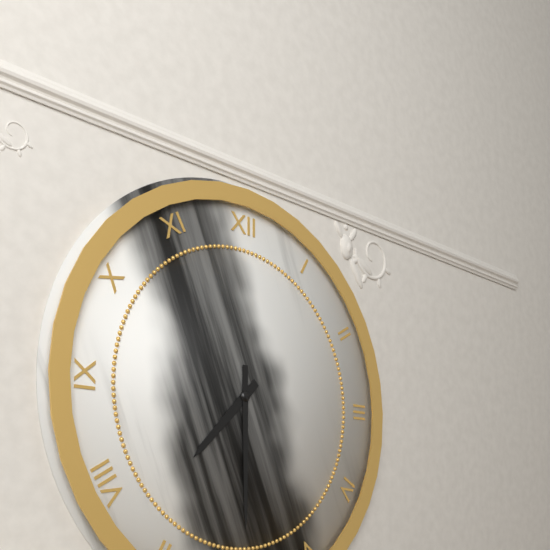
h=7 m=30
